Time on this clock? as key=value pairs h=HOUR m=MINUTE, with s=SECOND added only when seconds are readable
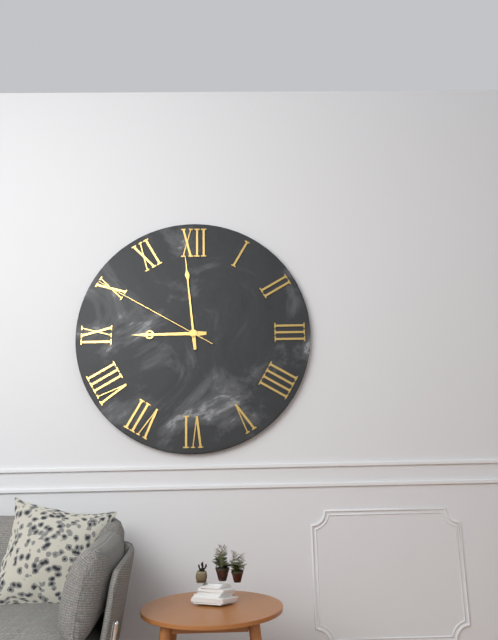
h=8 m=59 s=50
